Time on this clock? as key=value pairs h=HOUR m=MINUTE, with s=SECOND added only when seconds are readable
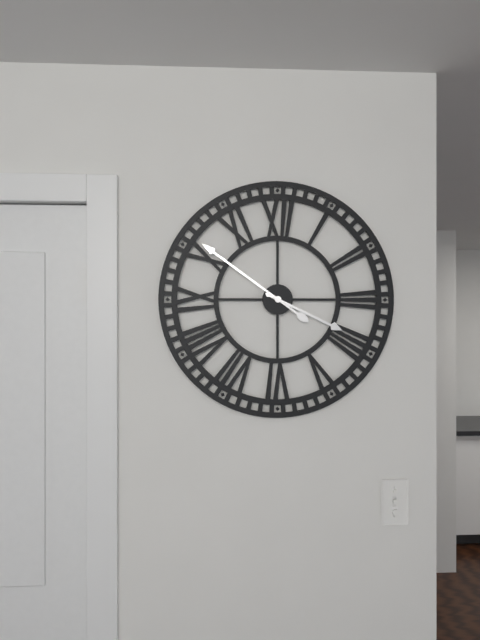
h=3 m=51
